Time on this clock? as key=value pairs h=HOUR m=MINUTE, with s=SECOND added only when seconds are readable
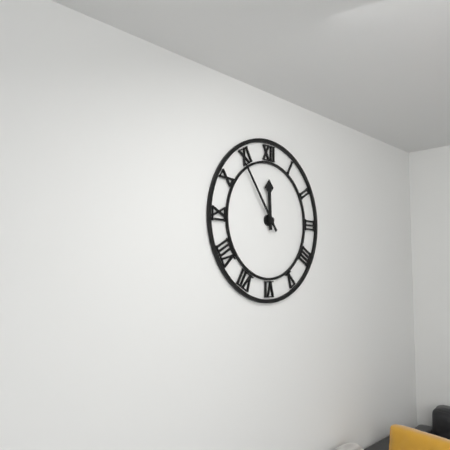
h=11 m=54
